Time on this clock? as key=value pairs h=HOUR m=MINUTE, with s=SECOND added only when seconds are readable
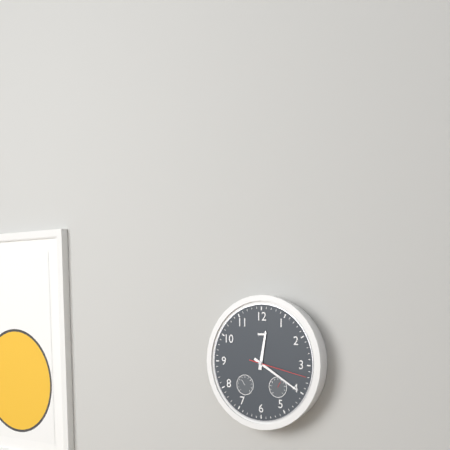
h=12 m=20 s=17
